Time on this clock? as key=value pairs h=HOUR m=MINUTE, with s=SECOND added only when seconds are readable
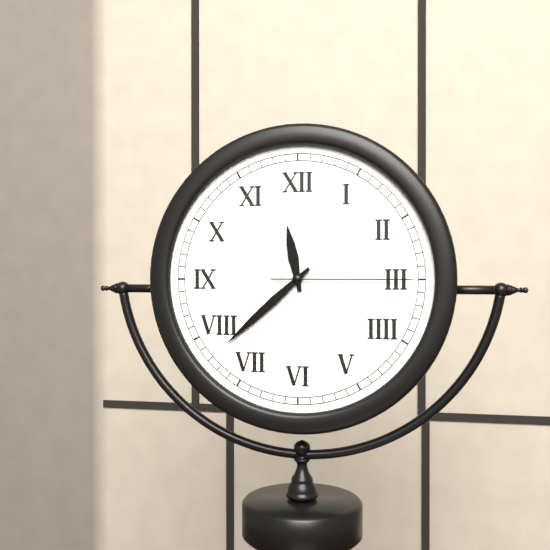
h=11 m=38 s=15
